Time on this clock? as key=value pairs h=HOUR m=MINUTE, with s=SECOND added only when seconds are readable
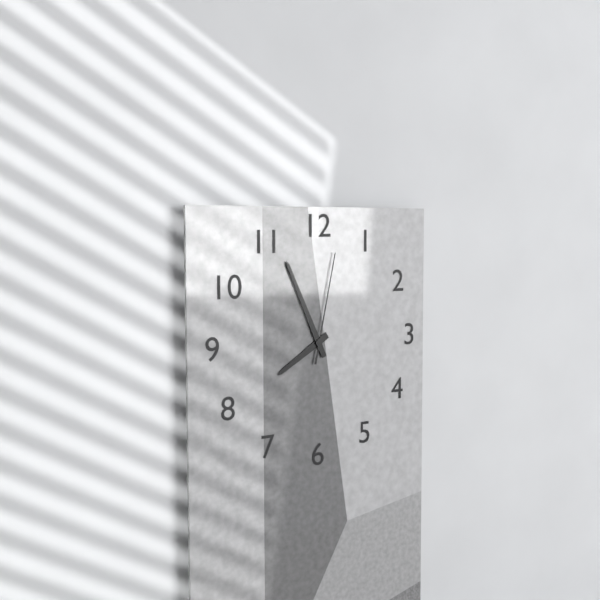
h=7 m=56 s=2
